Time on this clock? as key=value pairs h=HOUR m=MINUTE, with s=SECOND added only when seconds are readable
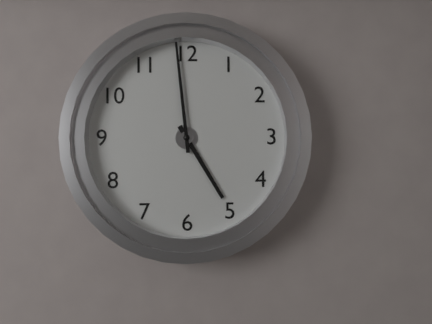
h=4 m=59
